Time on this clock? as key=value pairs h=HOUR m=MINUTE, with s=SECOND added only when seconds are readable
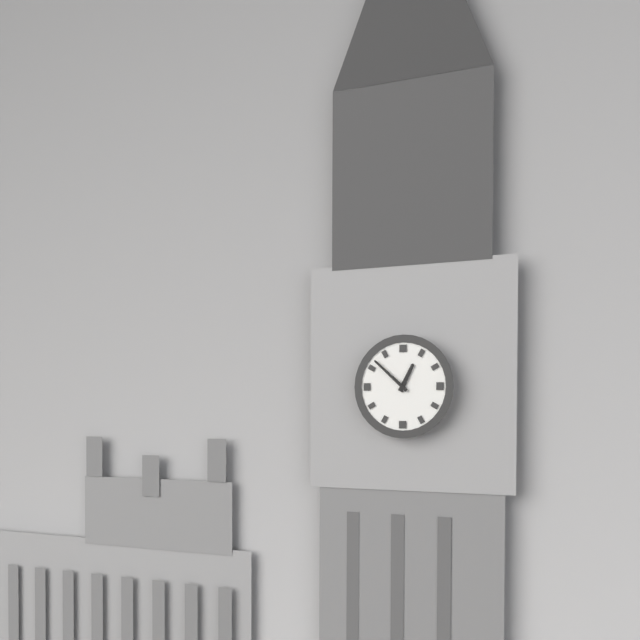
h=12 m=52
